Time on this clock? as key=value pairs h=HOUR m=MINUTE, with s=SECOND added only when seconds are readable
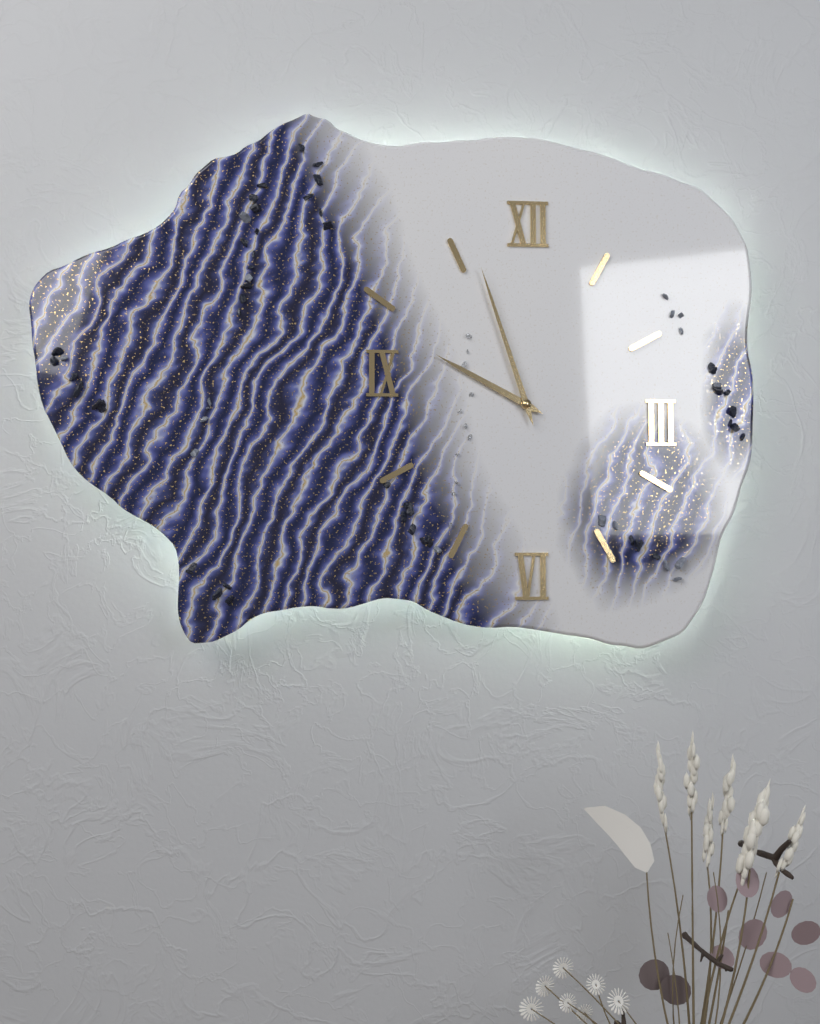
h=9 m=57
